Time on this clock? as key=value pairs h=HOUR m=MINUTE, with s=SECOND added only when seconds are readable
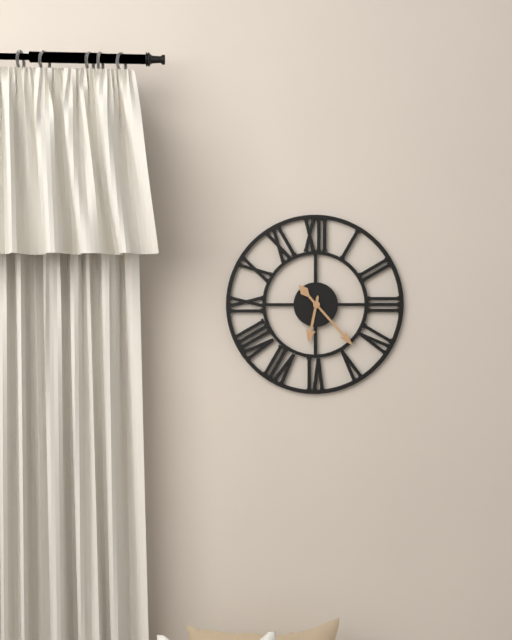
h=6 m=23
